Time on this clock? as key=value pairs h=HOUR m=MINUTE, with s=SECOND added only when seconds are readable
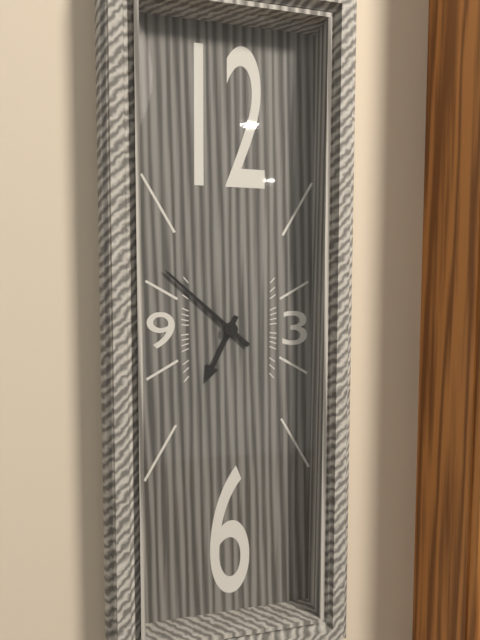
h=6 m=52
